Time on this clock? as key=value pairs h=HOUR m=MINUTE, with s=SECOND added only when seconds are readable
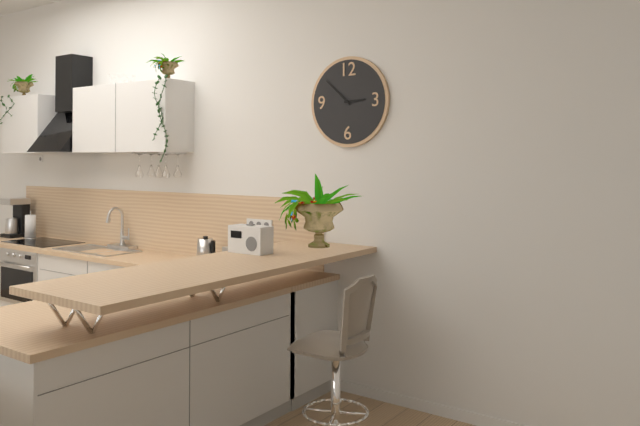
h=2 m=52
